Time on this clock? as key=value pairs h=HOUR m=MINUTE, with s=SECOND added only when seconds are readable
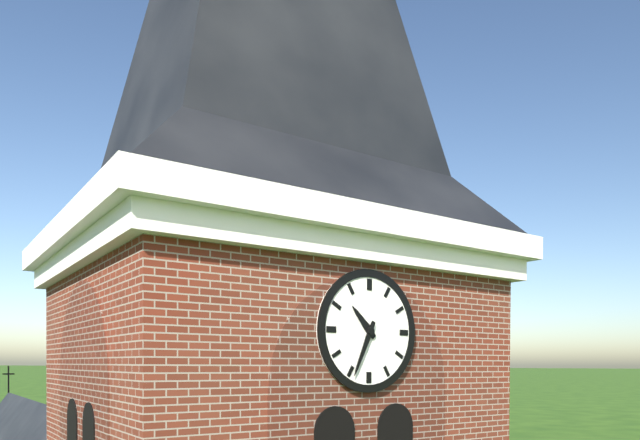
h=10 m=34
